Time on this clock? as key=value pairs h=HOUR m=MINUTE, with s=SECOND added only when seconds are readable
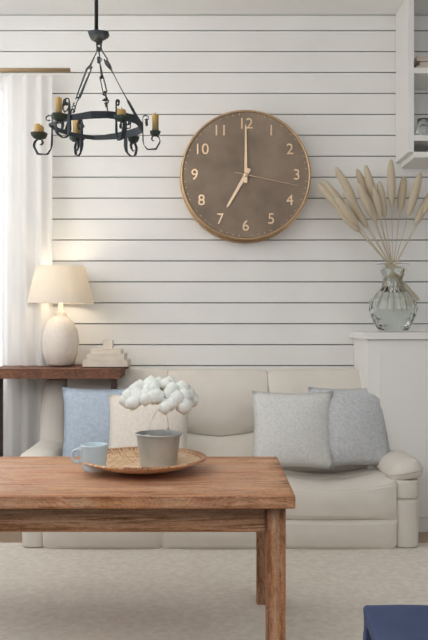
h=7 m=0 s=17
